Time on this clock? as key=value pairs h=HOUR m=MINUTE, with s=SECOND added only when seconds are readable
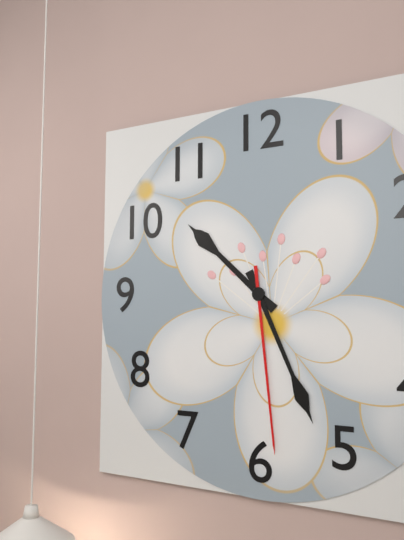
h=10 m=26 s=29
